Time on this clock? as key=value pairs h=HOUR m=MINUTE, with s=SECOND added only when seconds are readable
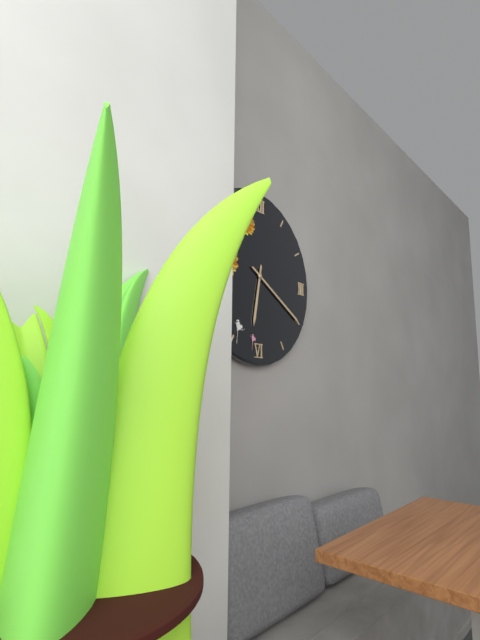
h=6 m=20
